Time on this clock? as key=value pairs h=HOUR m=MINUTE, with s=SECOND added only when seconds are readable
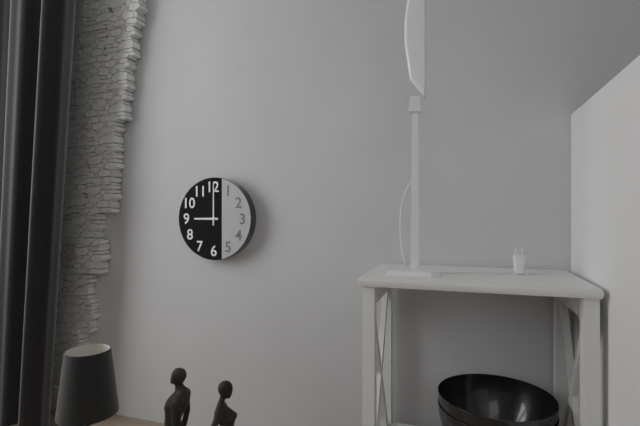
h=9 m=0
